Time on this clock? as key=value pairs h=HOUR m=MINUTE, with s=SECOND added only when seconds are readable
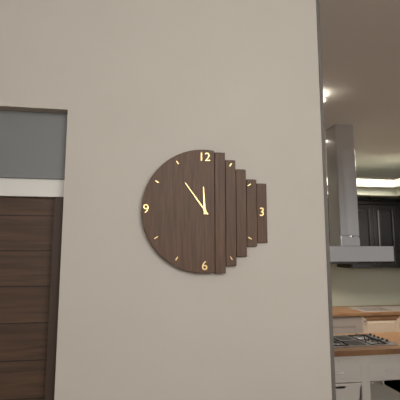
h=11 m=54
